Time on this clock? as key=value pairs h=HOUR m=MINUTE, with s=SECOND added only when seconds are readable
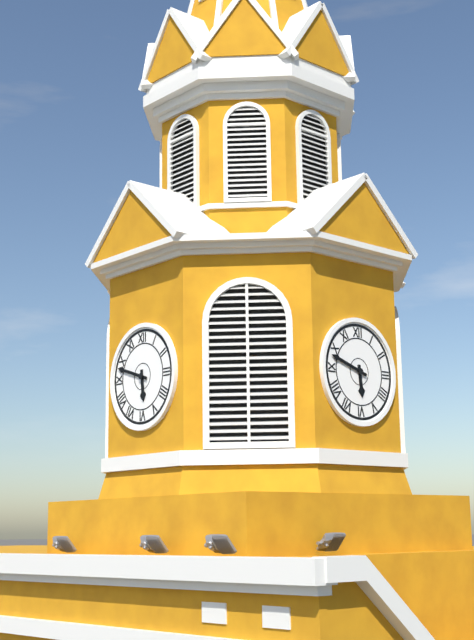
h=5 m=48
